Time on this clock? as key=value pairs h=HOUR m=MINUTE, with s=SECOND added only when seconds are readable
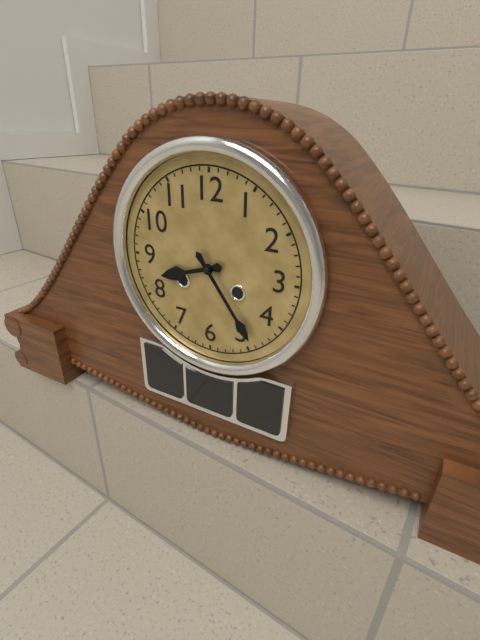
h=8 m=24
